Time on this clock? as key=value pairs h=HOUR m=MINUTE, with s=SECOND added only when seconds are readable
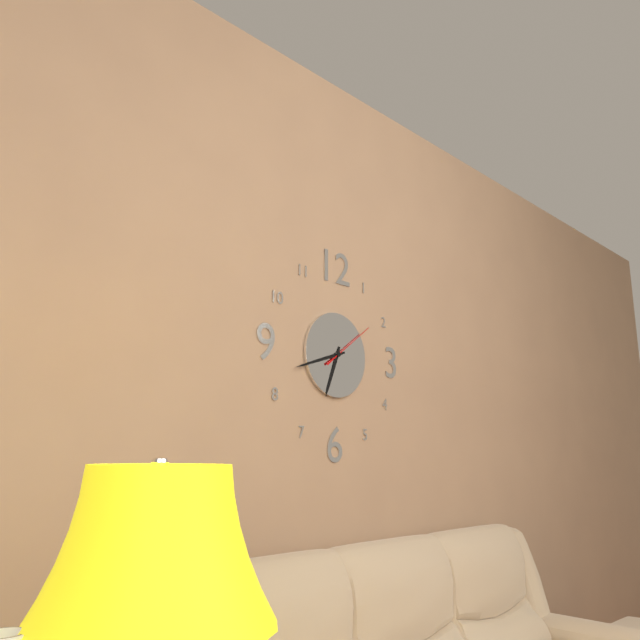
h=6 m=42 s=9
